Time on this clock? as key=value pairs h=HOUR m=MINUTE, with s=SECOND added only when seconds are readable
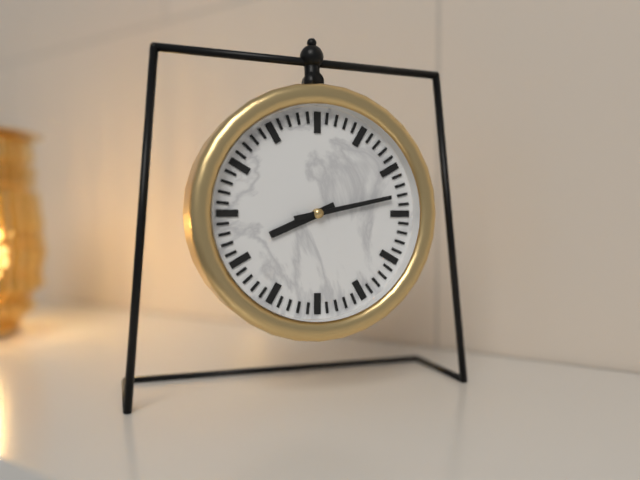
h=8 m=13
